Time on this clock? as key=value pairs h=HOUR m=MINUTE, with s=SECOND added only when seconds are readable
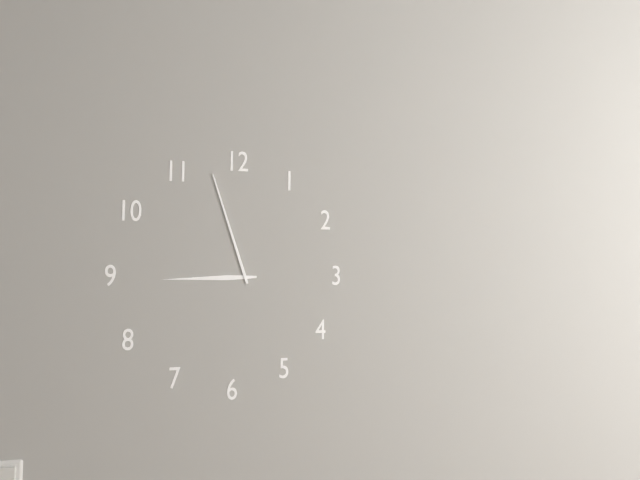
h=8 m=57
